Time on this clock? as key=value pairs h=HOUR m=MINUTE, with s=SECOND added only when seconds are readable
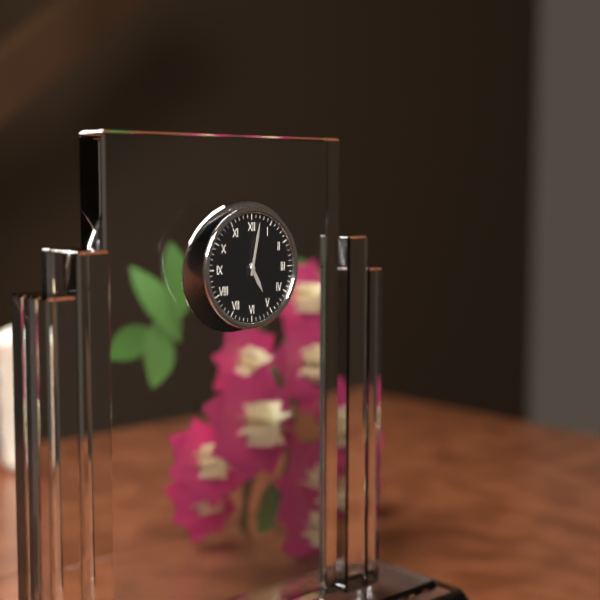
h=5 m=2
